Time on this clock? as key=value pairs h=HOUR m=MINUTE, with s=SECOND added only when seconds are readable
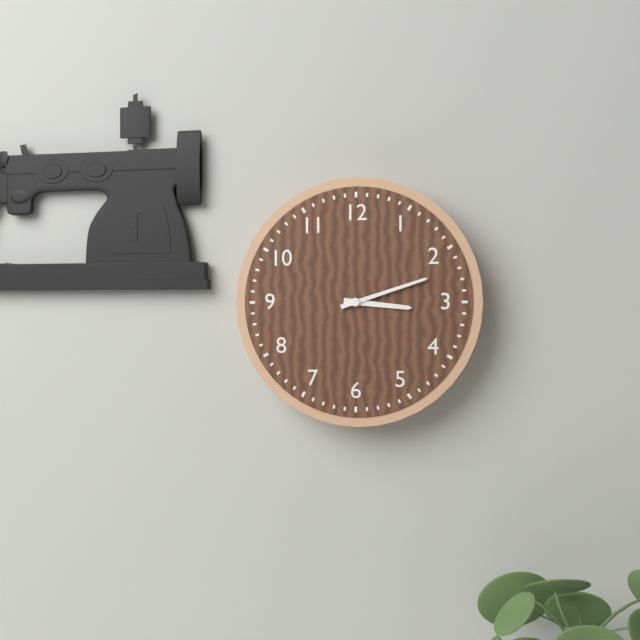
h=3 m=12
